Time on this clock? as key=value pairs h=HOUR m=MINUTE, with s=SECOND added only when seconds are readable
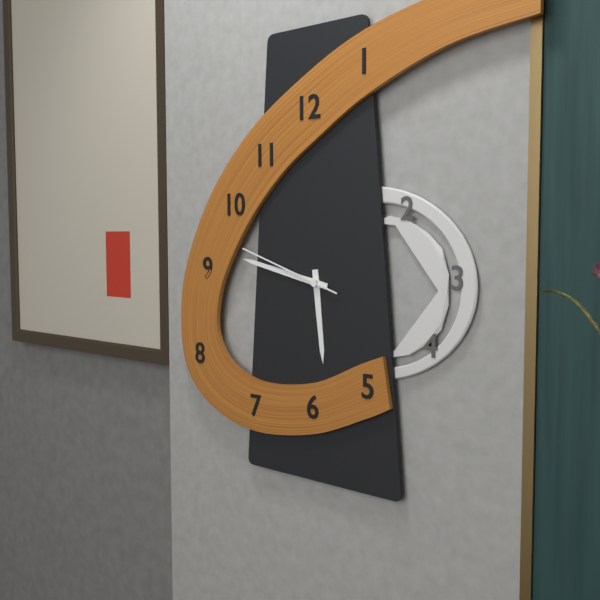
h=5 m=47 s=48
